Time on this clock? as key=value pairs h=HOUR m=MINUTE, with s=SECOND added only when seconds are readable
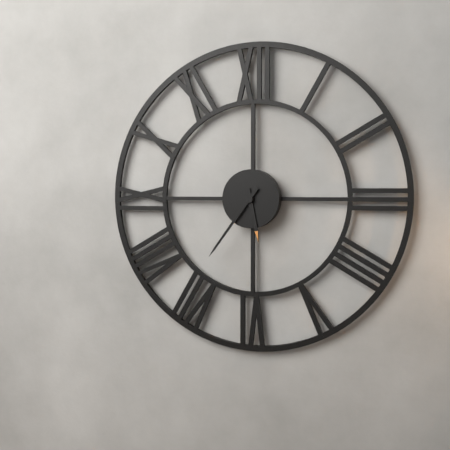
h=5 m=36
